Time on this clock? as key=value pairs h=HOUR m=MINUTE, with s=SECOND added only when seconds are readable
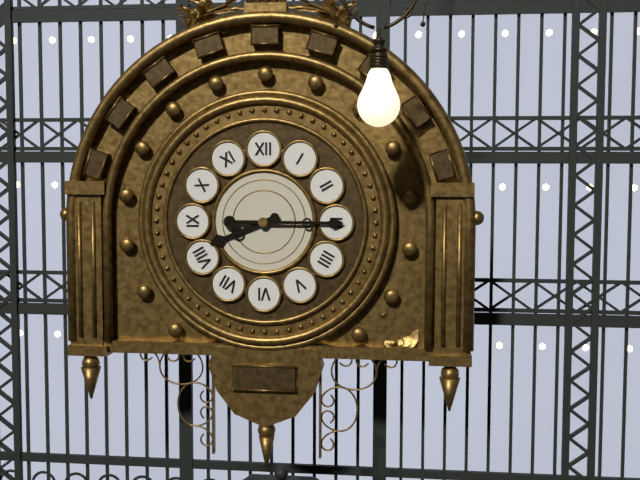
h=8 m=15
